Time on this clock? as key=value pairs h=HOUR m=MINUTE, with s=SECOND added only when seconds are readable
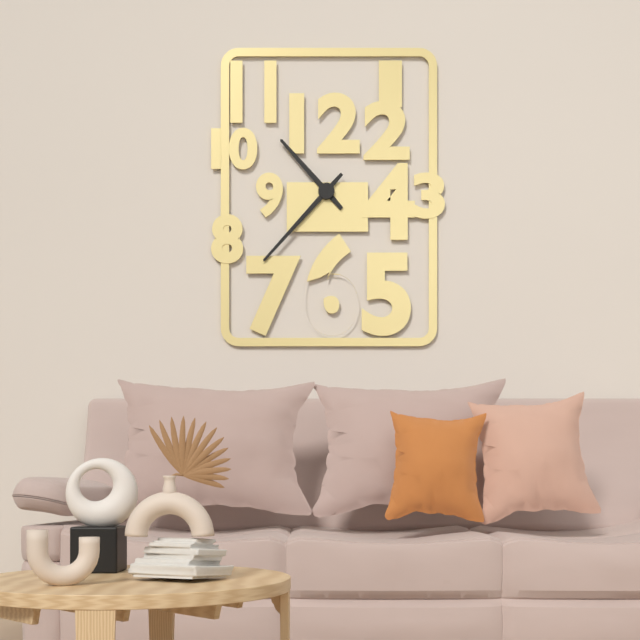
h=10 m=37
